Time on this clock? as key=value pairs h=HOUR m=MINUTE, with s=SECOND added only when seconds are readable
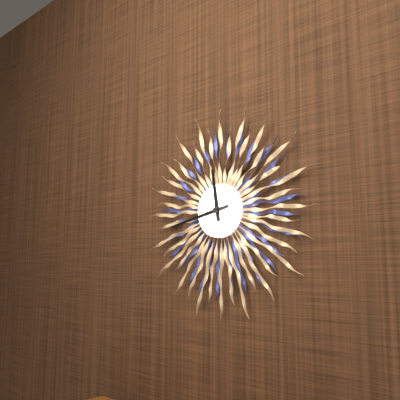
h=11 m=43
